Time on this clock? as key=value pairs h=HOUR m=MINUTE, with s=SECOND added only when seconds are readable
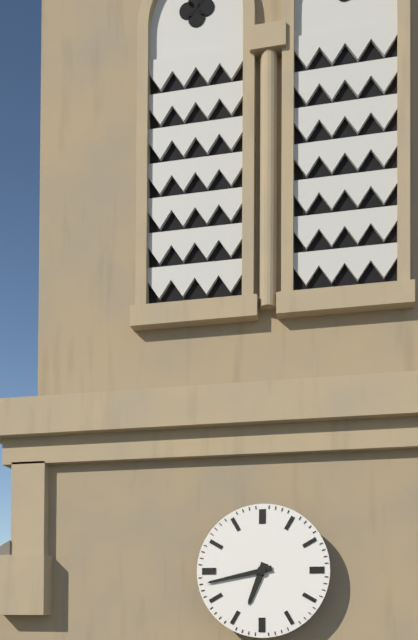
h=6 m=43
